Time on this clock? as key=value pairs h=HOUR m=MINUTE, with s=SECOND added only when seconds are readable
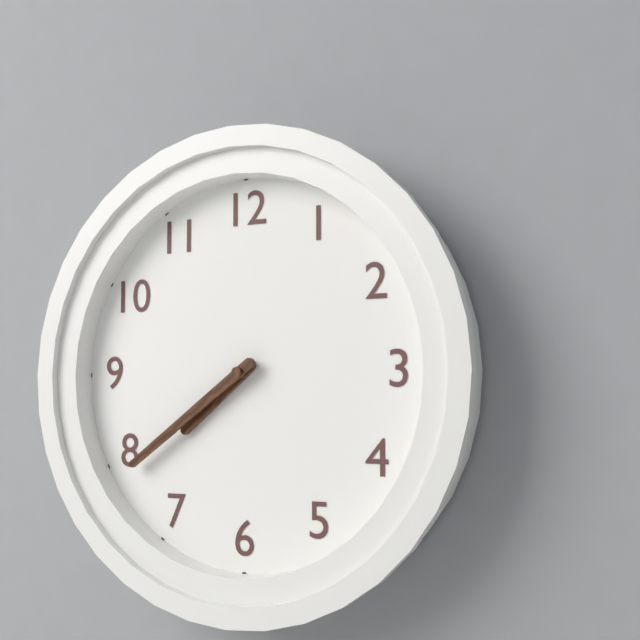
h=7 m=39
